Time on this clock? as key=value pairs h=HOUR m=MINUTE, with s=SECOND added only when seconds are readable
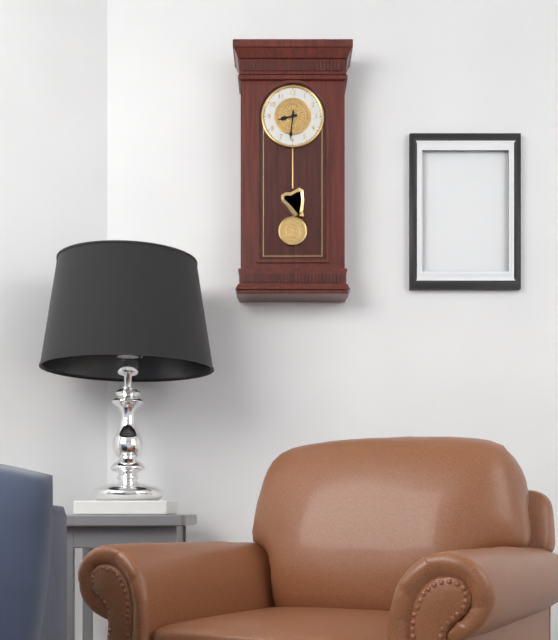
h=8 m=31
